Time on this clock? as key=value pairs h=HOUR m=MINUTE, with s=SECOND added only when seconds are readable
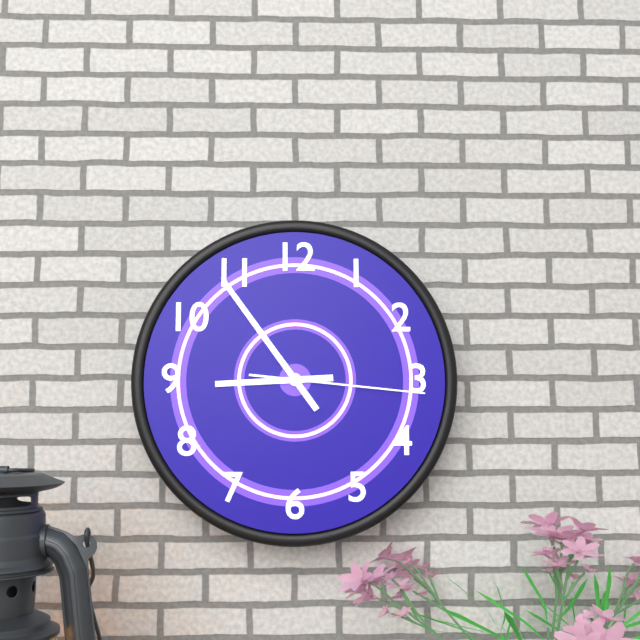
h=8 m=54 s=16
